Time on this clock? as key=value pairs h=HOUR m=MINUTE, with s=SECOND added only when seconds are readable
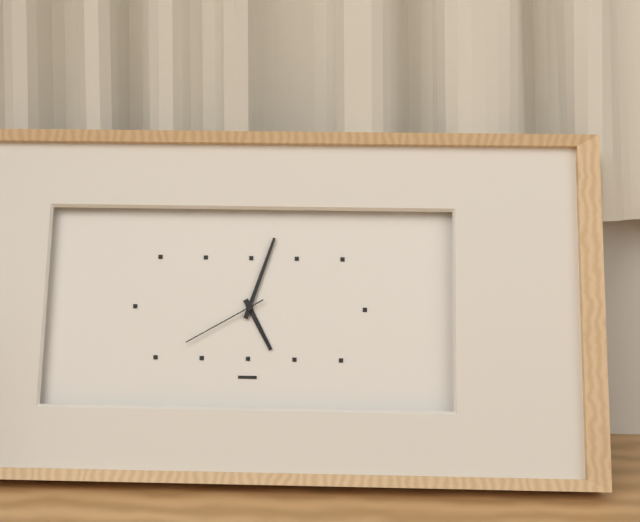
h=5 m=3 s=40
